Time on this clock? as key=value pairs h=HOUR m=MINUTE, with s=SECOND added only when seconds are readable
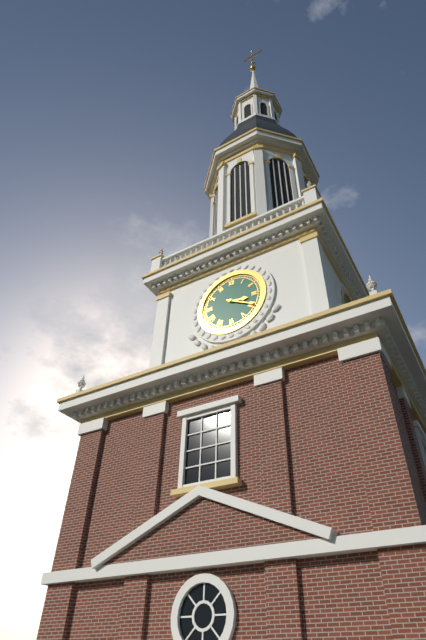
h=3 m=20
